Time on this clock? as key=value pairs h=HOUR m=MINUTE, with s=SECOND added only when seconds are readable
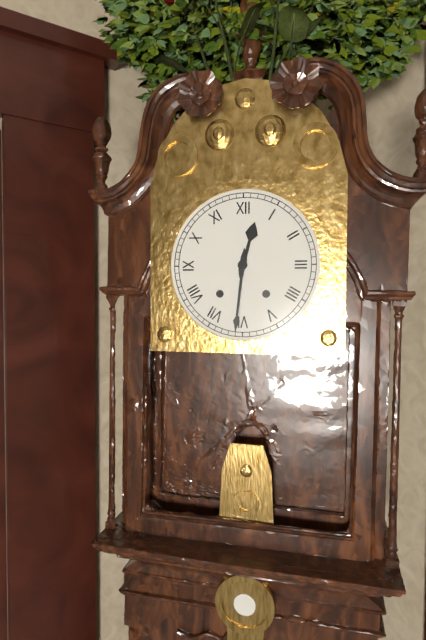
h=12 m=31
